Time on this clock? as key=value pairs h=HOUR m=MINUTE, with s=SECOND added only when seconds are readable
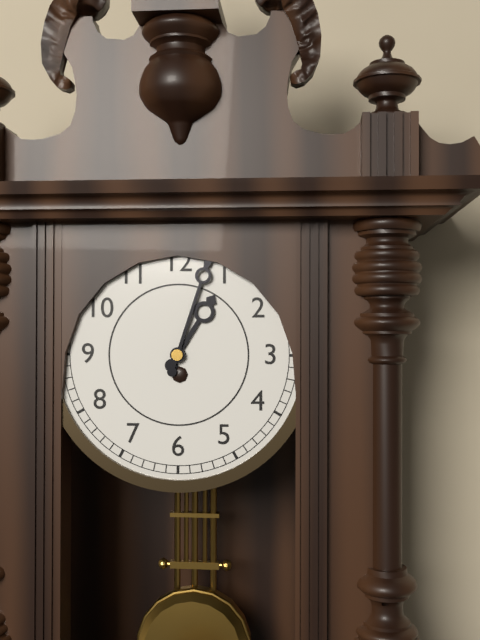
h=1 m=3
